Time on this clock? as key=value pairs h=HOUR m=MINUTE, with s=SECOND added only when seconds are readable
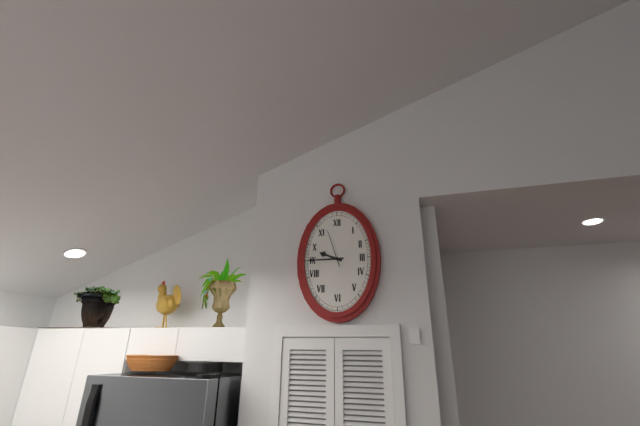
h=9 m=45
